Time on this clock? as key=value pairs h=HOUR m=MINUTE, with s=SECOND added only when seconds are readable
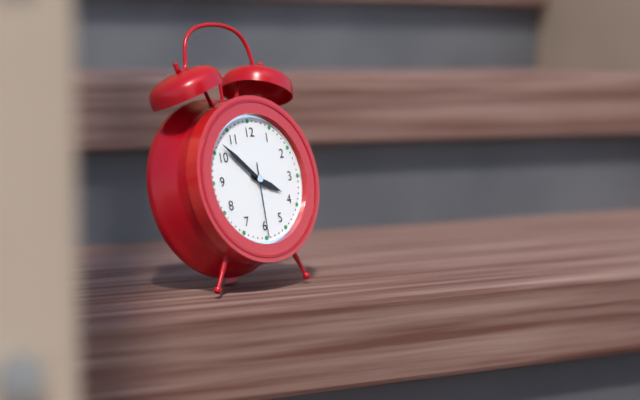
h=3 m=52 s=30
